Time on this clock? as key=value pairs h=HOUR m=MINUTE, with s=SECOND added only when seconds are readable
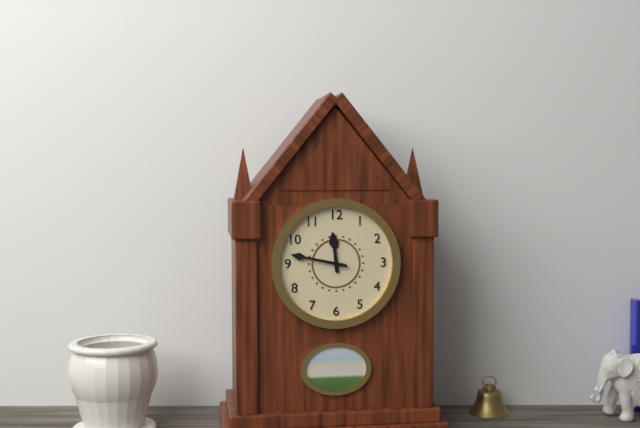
h=11 m=47
